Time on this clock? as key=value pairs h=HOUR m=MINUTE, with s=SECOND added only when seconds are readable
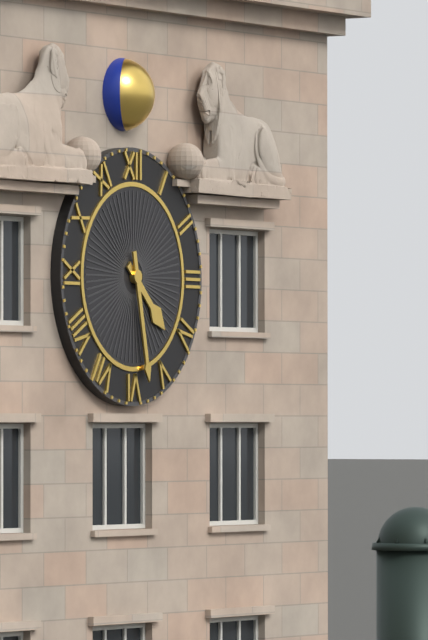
h=4 m=28
